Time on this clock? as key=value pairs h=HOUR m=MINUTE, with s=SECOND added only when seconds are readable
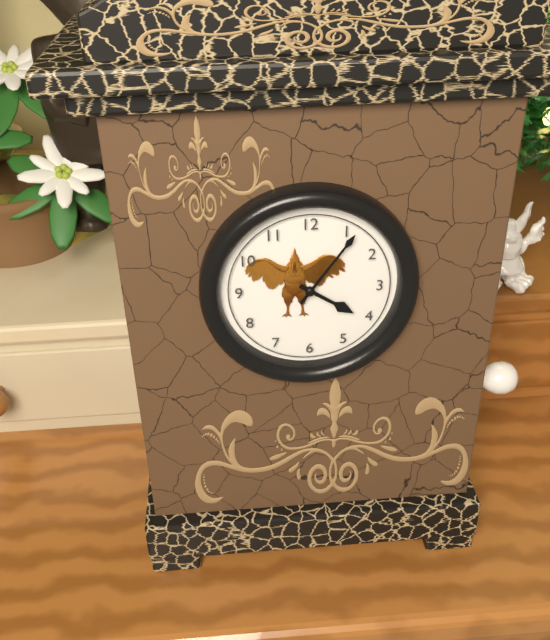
h=4 m=6
